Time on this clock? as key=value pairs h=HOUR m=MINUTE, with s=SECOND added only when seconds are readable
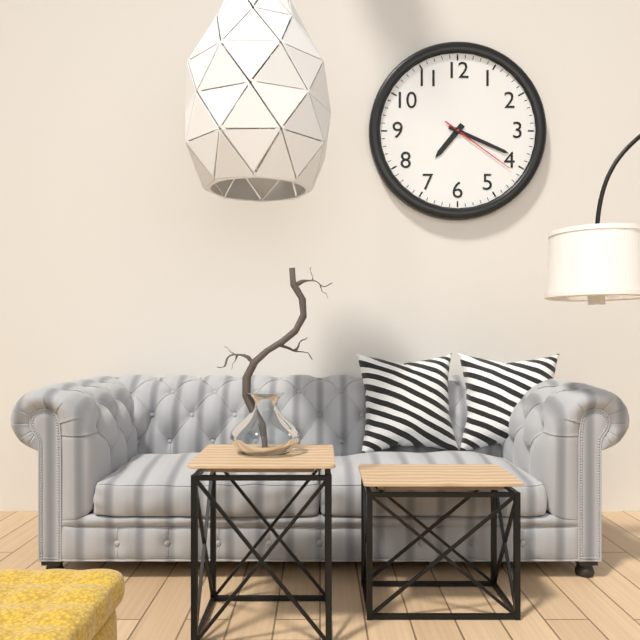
h=7 m=19 s=21
